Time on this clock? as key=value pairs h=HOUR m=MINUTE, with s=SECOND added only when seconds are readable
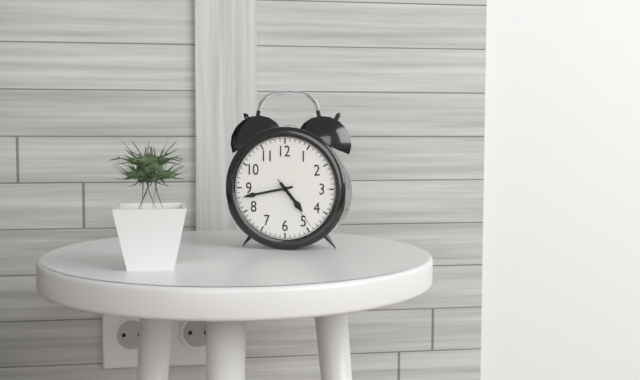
h=4 m=43 s=24
